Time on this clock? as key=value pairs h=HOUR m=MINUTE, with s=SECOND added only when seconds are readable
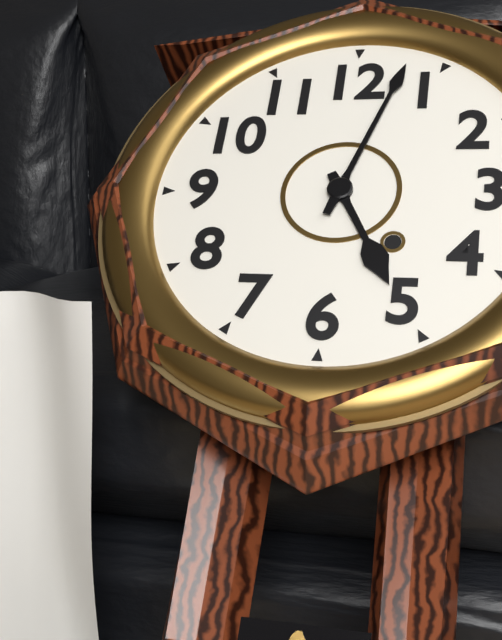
h=5 m=3
